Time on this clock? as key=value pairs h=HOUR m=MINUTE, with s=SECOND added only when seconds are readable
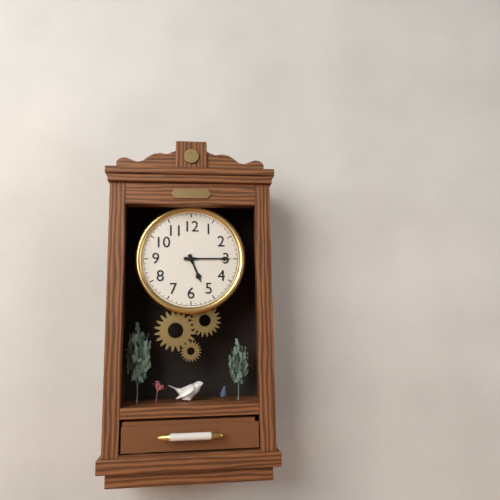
h=5 m=15
